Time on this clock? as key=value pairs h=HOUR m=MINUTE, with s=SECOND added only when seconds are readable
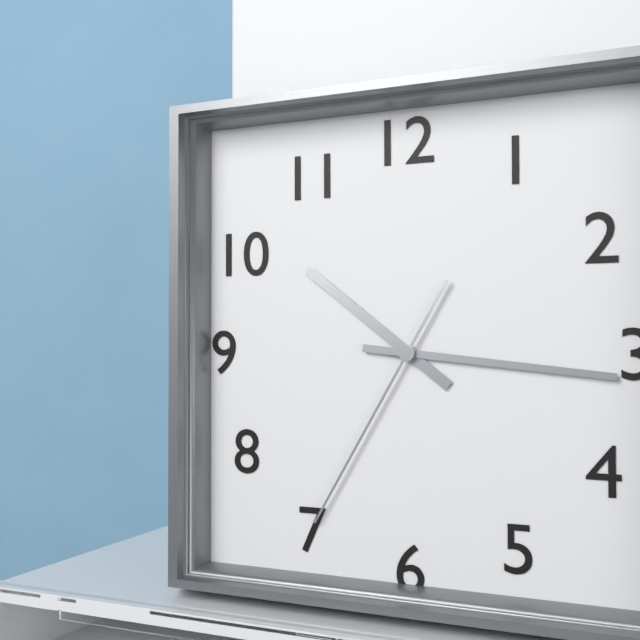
h=10 m=16 s=35
